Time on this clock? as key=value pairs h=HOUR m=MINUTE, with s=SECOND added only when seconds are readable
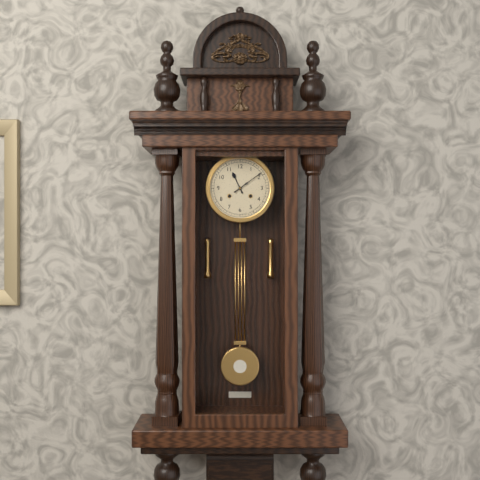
h=11 m=9
